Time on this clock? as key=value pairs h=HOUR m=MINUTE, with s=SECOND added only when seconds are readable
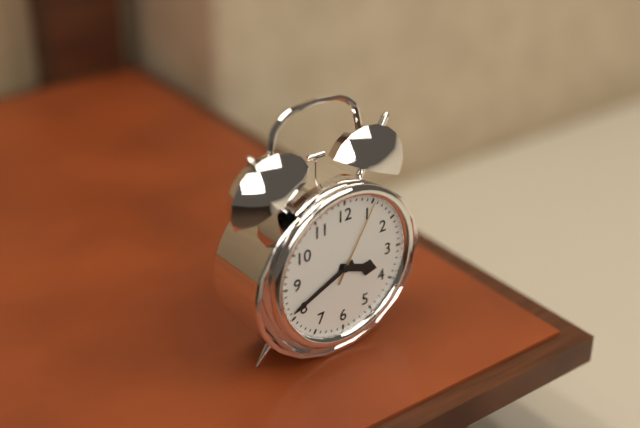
h=3 m=41 s=5
